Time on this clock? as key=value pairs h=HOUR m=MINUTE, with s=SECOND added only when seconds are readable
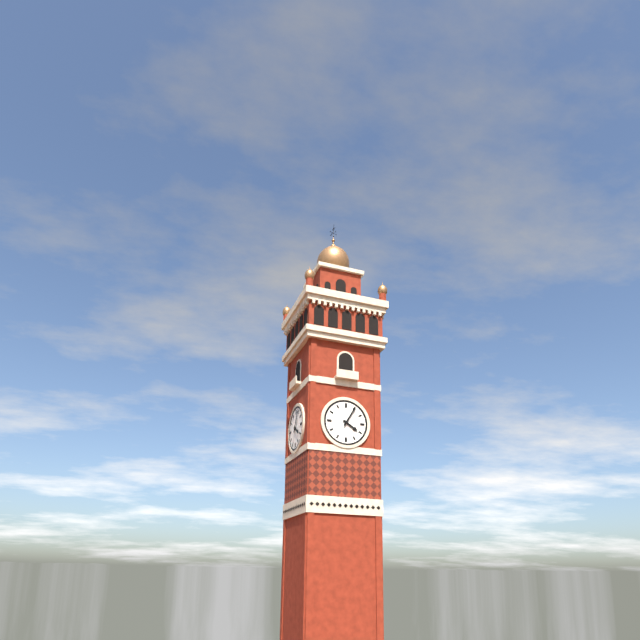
h=4 m=5
